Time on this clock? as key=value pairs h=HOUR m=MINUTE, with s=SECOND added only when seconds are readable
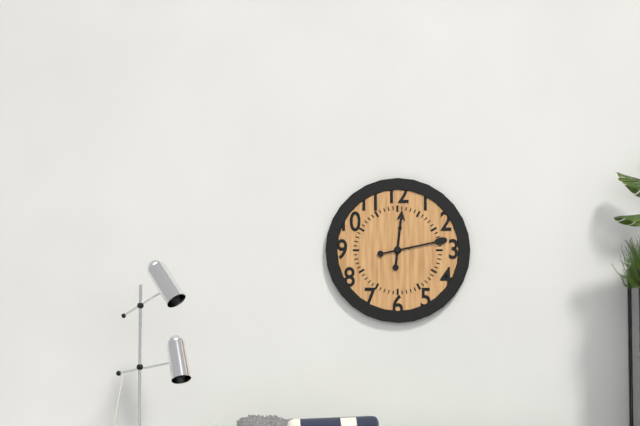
h=12 m=13
